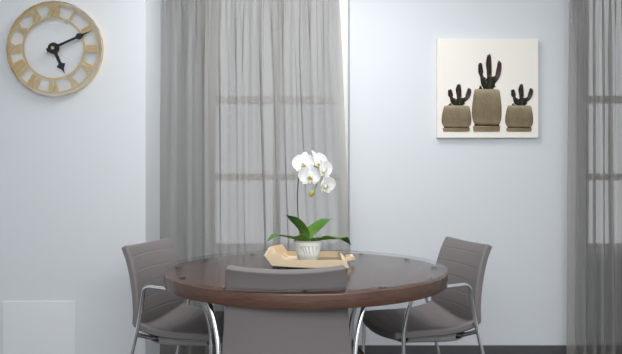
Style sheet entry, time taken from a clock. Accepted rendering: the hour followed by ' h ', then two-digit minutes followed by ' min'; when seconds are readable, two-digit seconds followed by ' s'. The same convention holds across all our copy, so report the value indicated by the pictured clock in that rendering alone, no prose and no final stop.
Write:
5 h 11 min
